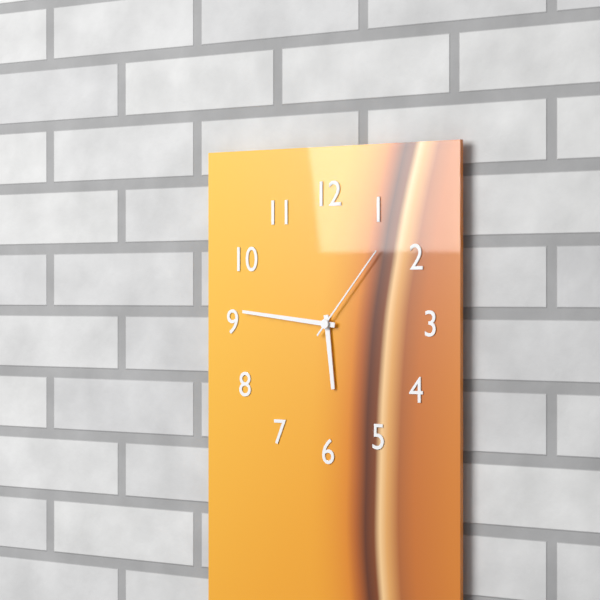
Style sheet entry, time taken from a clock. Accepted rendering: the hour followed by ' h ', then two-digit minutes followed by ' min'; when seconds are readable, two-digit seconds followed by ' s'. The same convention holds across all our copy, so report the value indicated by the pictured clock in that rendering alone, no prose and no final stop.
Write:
5 h 46 min 07 s
